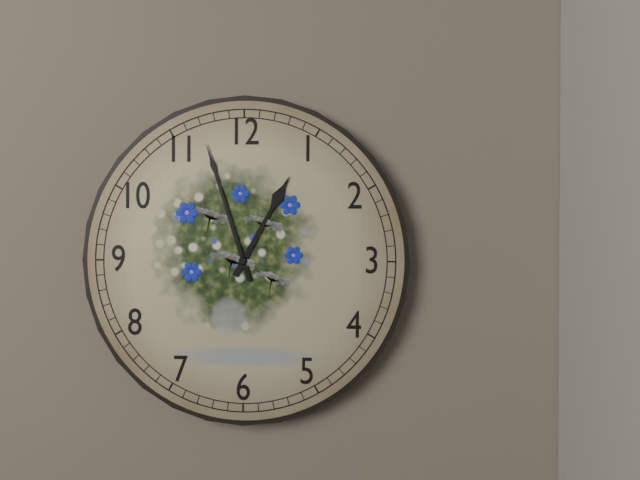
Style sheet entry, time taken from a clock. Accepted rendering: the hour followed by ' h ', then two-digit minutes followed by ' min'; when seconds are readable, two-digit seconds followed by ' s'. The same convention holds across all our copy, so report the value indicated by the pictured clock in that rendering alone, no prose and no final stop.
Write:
12 h 57 min
